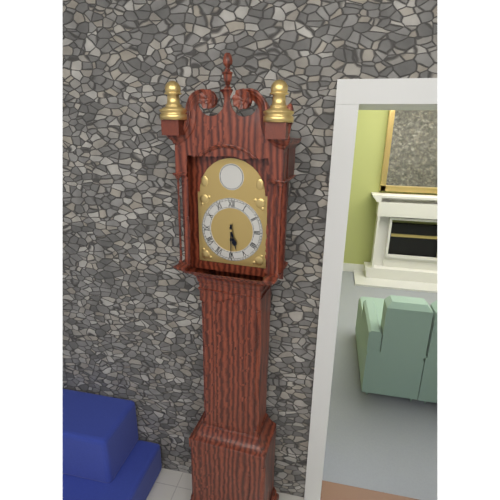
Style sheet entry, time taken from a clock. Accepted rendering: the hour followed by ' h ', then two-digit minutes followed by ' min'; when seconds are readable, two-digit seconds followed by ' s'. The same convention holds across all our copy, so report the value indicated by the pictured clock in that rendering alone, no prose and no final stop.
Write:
5 h 30 min
